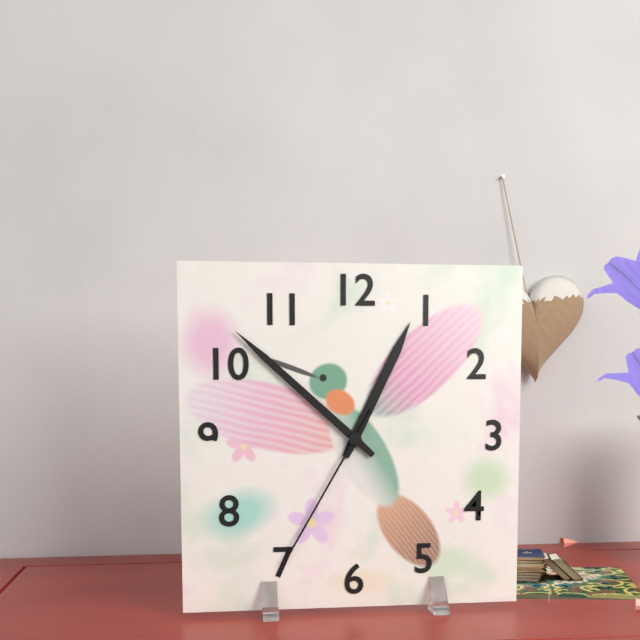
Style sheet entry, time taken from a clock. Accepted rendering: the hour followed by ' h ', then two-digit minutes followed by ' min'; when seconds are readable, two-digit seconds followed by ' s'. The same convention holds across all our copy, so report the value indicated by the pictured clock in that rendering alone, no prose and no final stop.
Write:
12 h 52 min 35 s
